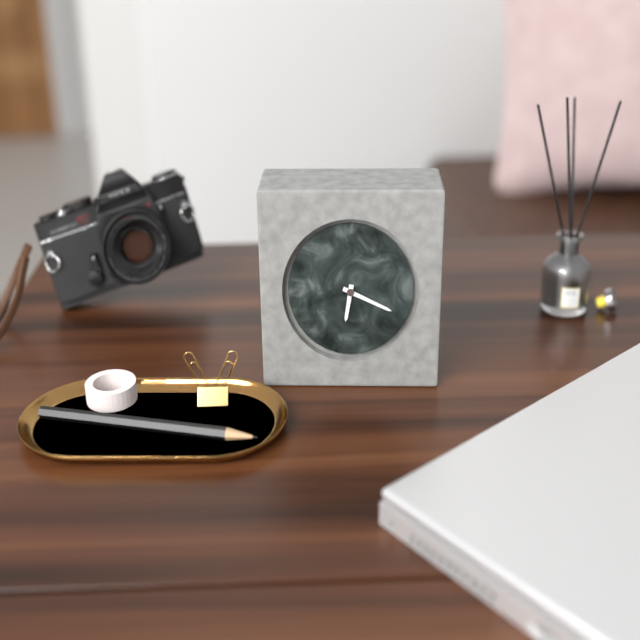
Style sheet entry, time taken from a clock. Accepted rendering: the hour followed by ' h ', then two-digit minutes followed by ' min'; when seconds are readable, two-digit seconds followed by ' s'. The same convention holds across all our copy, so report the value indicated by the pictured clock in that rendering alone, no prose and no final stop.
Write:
6 h 19 min
